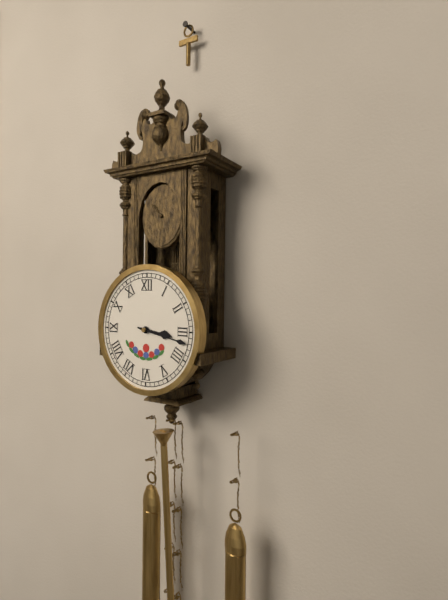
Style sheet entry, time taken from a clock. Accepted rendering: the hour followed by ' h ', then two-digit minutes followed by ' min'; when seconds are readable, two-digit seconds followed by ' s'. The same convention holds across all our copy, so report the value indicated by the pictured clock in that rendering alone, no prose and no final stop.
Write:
3 h 17 min
